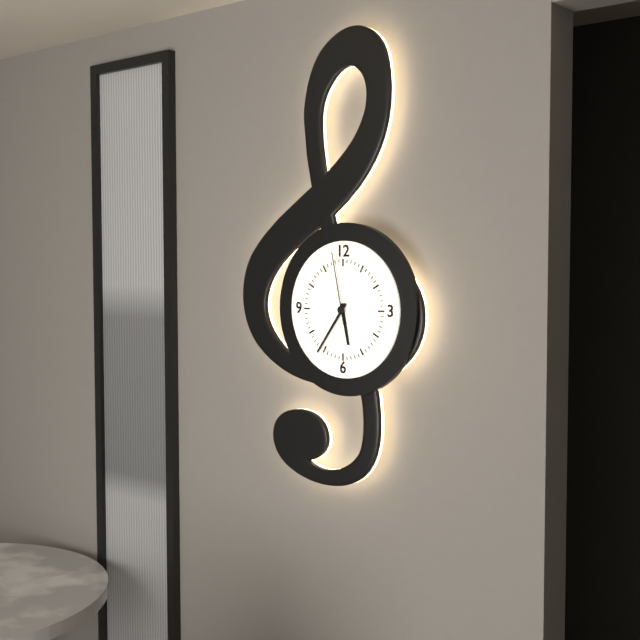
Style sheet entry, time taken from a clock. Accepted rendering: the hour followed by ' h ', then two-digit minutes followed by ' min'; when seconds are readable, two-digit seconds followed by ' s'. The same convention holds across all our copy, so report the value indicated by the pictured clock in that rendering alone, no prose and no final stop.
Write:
5 h 36 min 58 s
